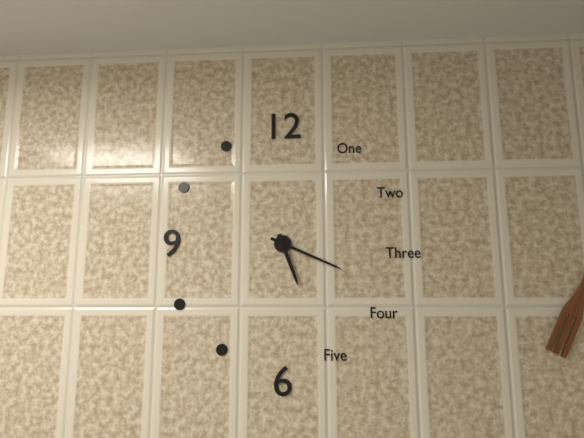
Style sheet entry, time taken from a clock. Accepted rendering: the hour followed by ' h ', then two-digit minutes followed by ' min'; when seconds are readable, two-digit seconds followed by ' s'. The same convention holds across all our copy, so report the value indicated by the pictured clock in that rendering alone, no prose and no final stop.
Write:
5 h 19 min
